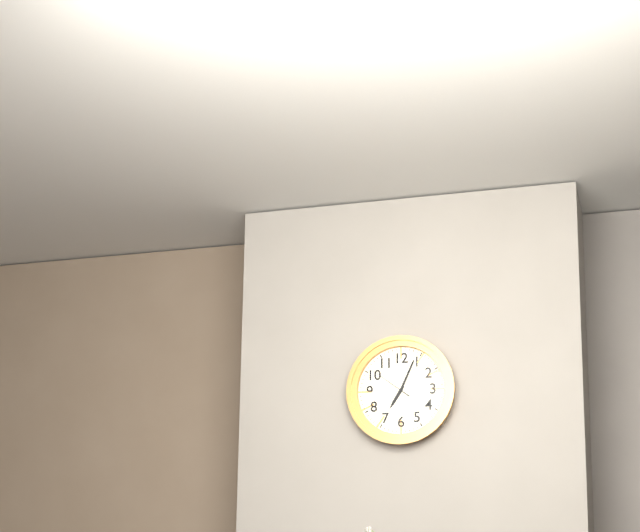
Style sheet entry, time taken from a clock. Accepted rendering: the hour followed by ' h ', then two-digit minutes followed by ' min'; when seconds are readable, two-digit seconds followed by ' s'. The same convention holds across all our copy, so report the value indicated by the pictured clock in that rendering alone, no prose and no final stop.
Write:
7 h 04 min
